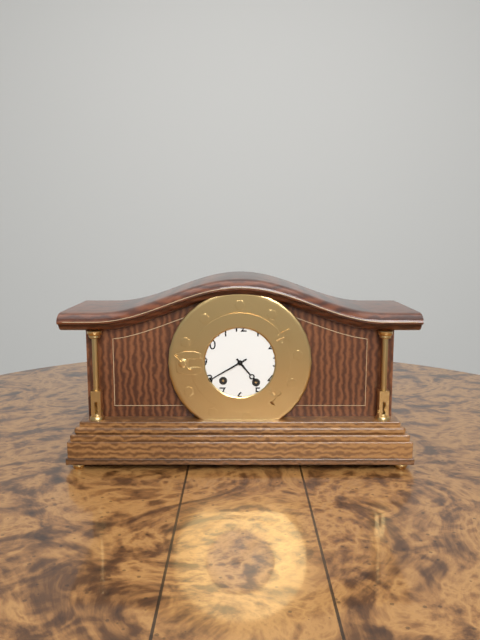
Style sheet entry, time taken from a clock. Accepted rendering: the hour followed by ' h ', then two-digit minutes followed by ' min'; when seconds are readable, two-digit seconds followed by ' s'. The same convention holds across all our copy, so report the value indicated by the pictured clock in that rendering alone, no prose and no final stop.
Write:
4 h 40 min
